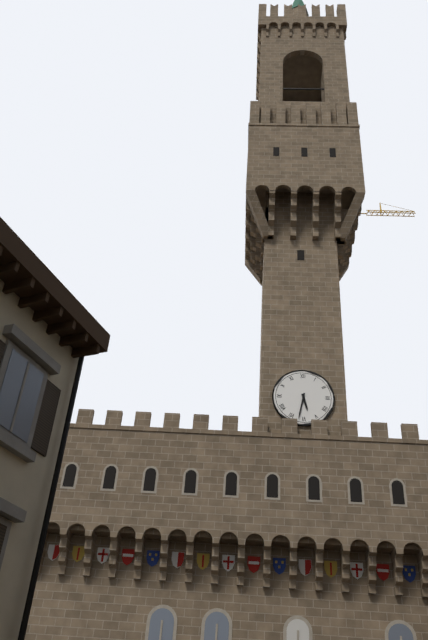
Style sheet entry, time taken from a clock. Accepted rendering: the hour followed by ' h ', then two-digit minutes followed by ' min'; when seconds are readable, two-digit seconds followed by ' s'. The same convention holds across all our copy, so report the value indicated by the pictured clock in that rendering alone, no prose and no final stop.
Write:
5 h 32 min
